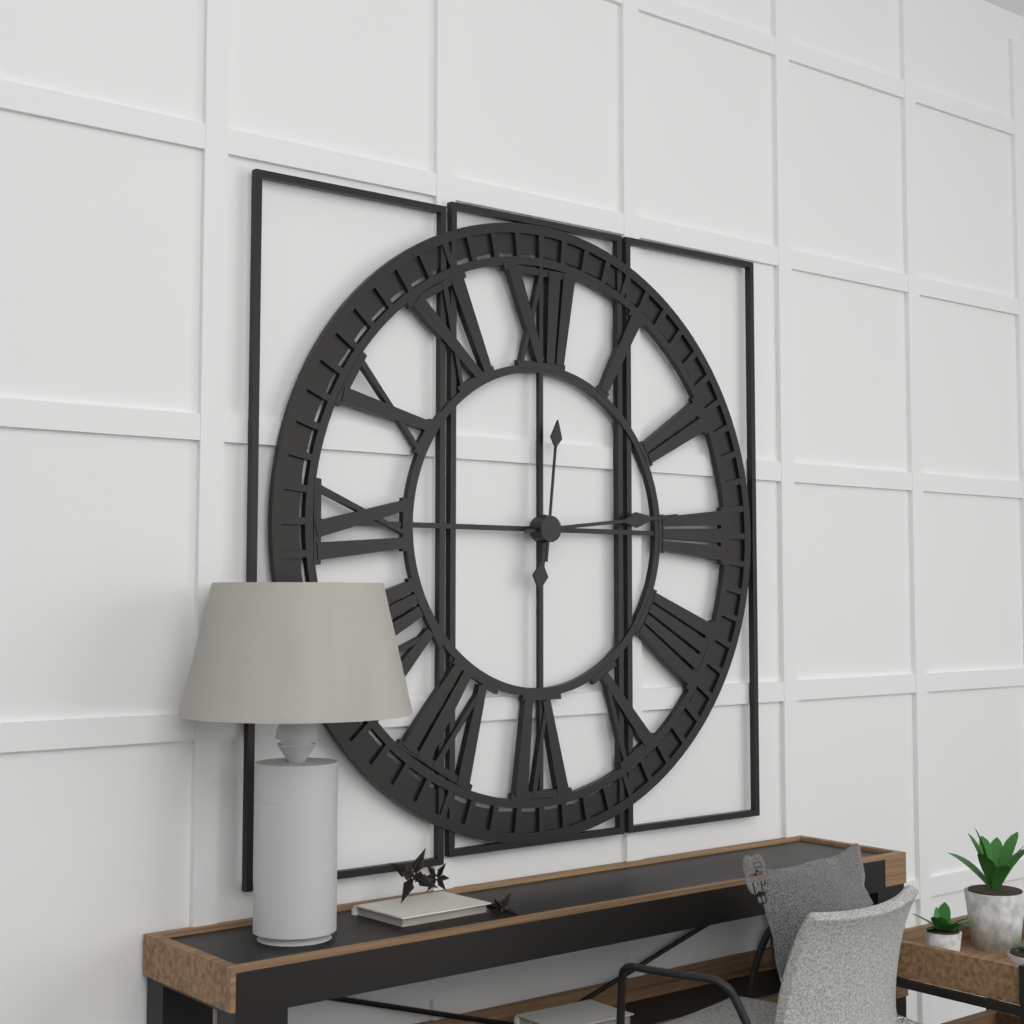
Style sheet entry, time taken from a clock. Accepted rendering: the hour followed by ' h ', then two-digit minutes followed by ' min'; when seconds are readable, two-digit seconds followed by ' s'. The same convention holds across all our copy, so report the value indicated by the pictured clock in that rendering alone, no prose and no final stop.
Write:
6 h 14 min 01 s
